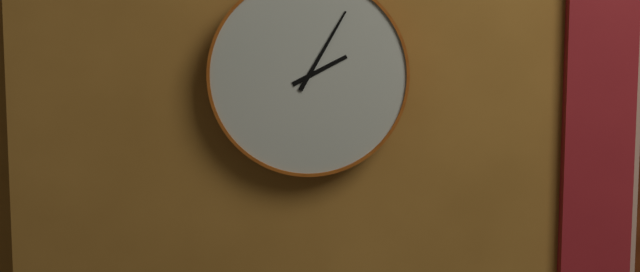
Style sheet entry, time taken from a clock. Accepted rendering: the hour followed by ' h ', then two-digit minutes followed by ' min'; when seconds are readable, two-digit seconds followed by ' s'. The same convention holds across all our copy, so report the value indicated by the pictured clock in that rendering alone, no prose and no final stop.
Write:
2 h 05 min
